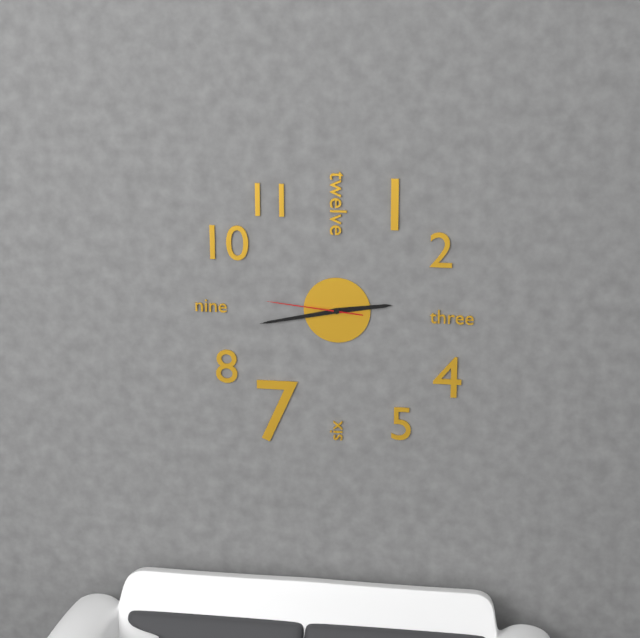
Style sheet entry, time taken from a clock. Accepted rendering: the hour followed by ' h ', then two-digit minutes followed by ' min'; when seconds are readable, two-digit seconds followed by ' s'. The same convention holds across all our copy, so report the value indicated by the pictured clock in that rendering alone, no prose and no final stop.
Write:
2 h 43 min 46 s
